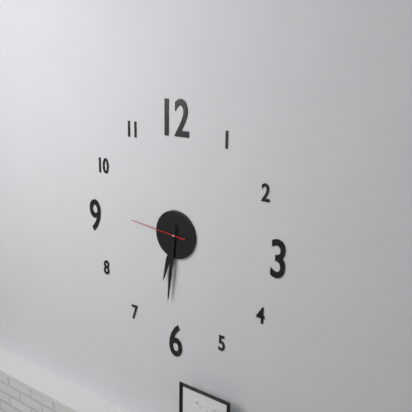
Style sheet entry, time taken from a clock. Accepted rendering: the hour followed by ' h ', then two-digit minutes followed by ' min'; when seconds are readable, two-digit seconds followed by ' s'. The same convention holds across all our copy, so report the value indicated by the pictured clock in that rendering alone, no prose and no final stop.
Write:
6 h 31 min 46 s
